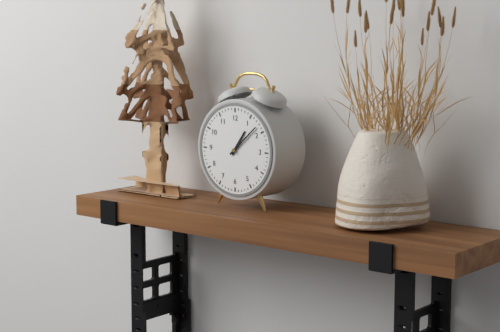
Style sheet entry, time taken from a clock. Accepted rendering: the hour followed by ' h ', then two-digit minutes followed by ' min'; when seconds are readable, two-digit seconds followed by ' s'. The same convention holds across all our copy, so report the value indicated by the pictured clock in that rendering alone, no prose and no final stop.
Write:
1 h 08 min
